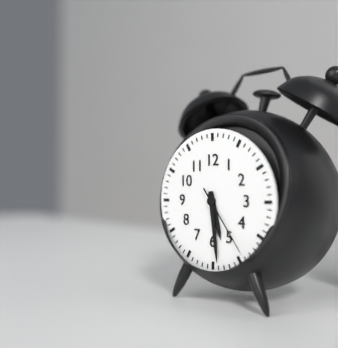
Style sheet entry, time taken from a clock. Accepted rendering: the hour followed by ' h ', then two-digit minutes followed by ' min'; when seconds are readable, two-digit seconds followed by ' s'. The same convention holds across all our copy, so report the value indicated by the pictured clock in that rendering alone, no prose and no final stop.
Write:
5 h 29 min 24 s
